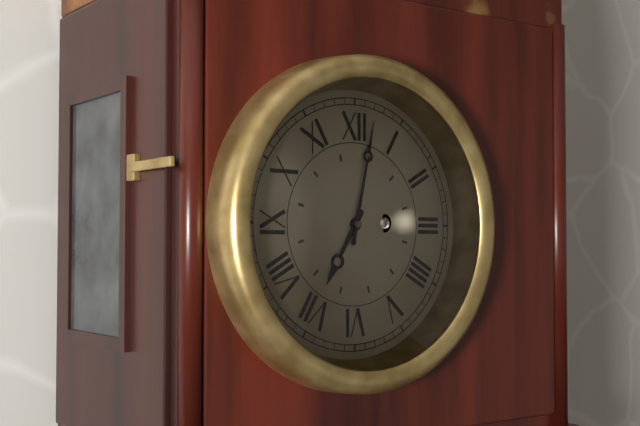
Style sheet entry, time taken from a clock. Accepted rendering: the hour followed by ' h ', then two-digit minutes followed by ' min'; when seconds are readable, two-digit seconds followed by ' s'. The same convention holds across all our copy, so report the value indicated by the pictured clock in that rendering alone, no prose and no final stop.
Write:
7 h 02 min
